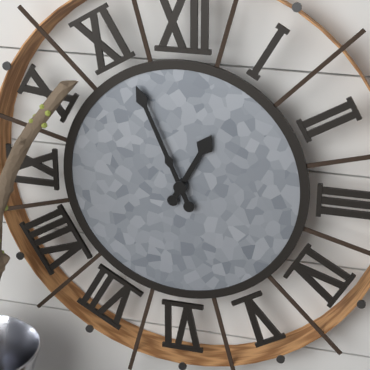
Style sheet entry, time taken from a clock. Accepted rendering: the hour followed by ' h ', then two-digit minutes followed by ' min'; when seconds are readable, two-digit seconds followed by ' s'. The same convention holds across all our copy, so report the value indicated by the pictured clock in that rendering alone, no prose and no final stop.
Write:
12 h 56 min
